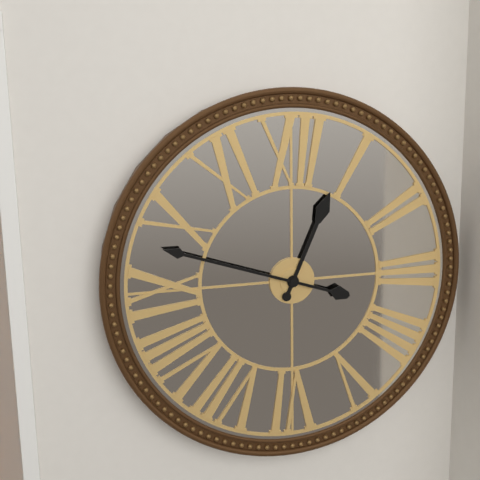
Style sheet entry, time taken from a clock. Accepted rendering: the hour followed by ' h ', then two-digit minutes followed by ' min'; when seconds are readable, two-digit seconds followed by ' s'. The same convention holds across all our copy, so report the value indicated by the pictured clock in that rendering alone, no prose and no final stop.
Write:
12 h 48 min
